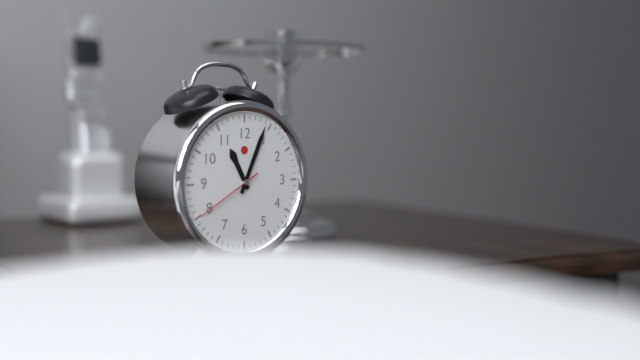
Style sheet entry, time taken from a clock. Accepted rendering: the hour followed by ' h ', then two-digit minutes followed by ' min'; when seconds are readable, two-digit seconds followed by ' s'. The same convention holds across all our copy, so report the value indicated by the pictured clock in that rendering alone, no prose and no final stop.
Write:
11 h 04 min 40 s
